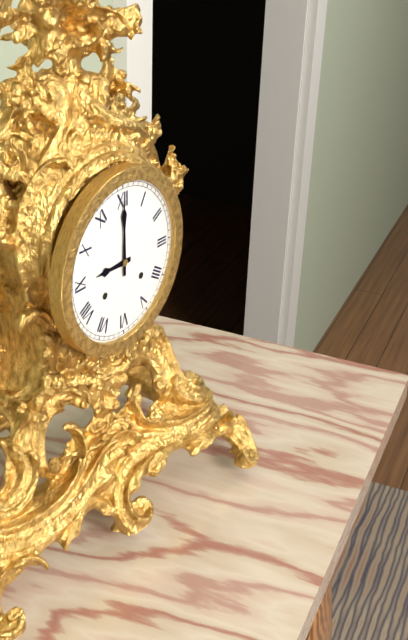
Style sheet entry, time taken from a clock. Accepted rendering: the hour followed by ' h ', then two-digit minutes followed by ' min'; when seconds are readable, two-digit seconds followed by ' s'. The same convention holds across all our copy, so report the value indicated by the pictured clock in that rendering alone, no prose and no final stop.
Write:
9 h 00 min
